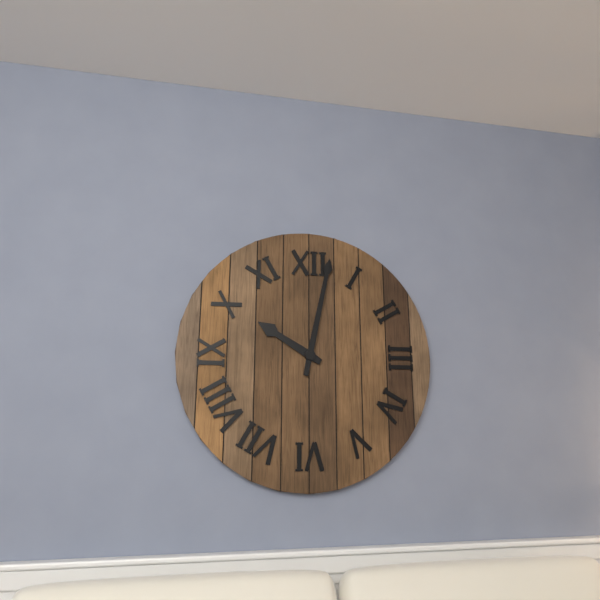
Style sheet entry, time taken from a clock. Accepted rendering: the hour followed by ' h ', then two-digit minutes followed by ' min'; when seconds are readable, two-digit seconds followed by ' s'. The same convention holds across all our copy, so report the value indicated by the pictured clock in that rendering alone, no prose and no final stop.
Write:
10 h 02 min
